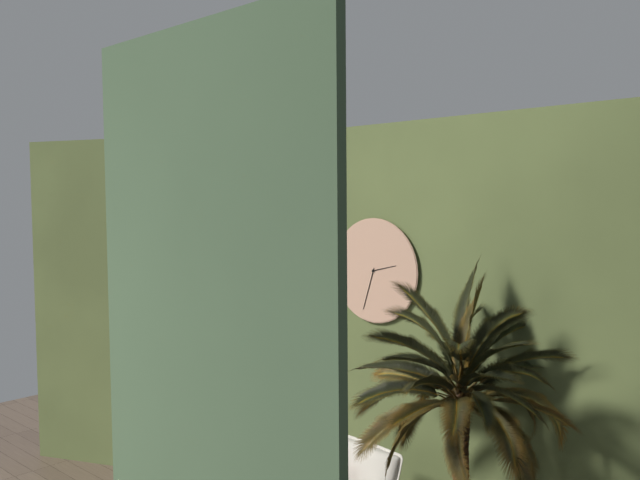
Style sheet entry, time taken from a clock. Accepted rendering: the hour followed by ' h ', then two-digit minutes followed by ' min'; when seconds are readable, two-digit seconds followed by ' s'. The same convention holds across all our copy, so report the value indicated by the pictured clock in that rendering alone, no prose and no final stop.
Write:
2 h 33 min
